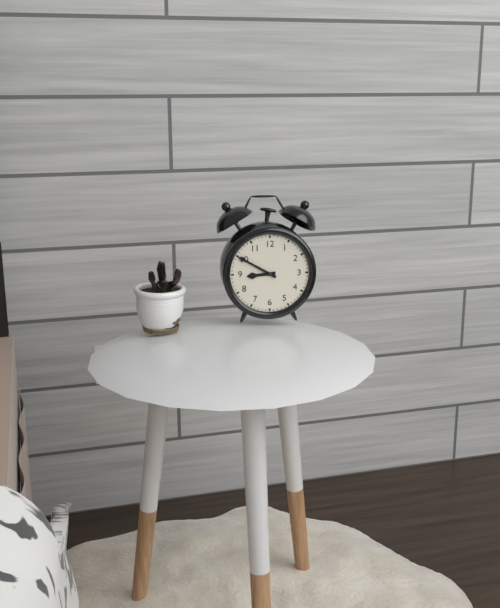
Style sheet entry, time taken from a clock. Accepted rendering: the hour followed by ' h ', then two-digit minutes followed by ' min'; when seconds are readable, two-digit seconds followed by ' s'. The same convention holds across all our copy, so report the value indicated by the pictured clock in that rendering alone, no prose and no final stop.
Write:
8 h 50 min
